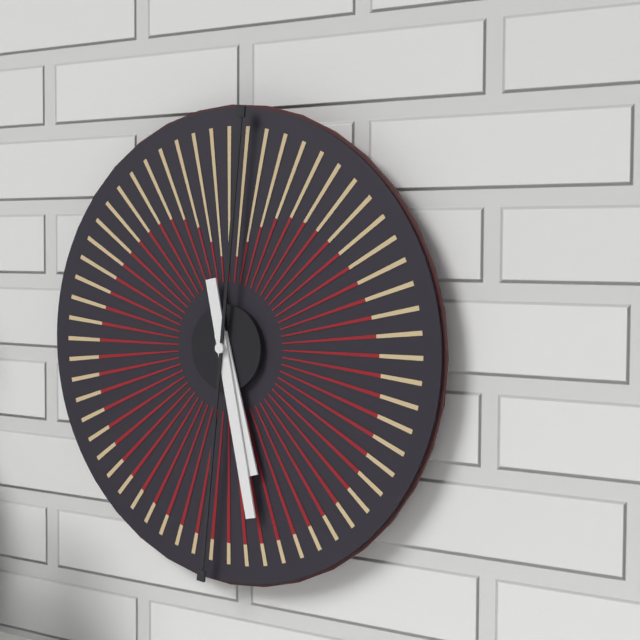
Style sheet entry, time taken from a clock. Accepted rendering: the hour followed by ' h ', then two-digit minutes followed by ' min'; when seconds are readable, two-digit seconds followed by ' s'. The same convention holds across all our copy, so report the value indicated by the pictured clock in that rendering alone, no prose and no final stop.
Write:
5 h 28 min
